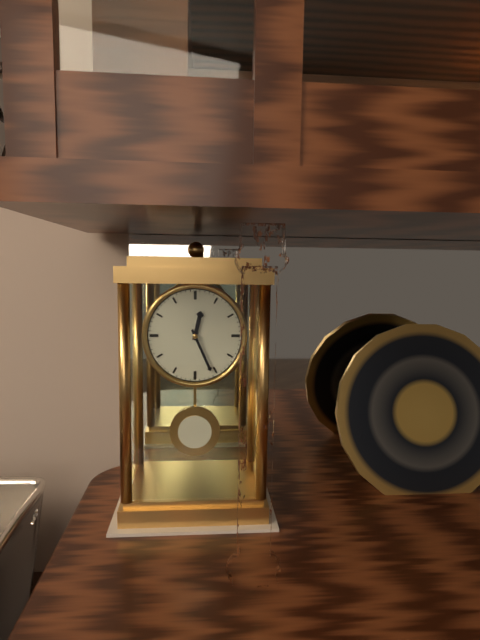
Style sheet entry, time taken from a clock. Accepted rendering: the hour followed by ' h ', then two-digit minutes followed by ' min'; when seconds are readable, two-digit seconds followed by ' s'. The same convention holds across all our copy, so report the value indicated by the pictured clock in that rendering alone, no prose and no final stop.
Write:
12 h 26 min
